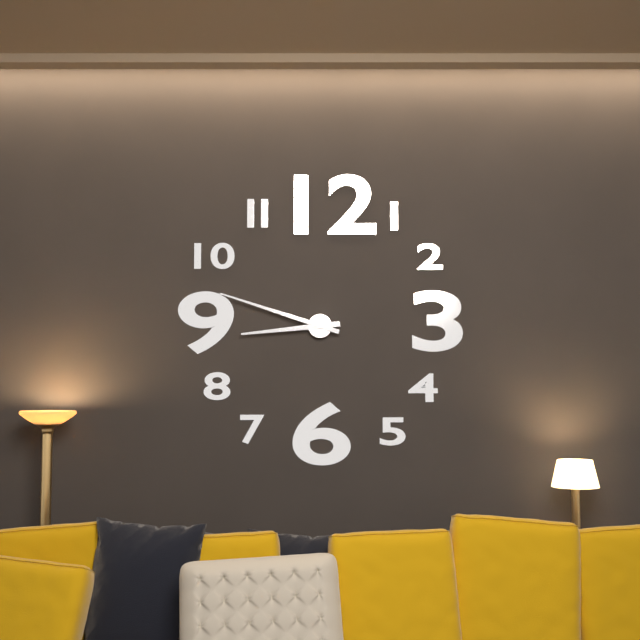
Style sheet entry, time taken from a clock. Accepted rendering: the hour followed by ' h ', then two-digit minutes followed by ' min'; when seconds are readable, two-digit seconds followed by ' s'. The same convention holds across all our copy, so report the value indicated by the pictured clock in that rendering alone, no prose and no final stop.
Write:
8 h 48 min
